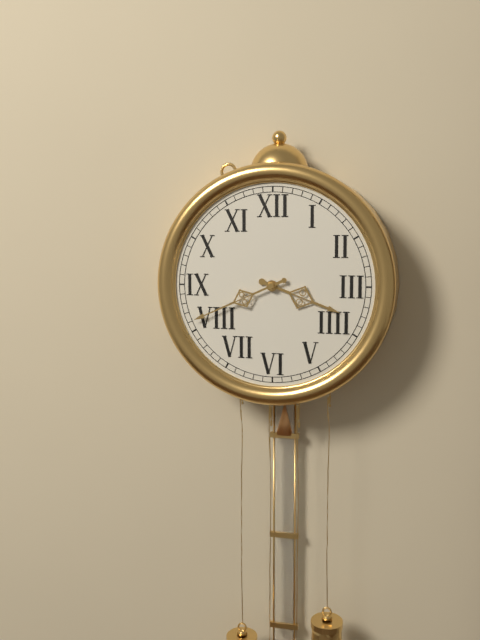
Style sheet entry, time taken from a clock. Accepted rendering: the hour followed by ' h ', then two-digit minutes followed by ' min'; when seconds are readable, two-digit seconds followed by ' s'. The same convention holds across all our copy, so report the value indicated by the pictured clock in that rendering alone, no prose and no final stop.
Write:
3 h 41 min
